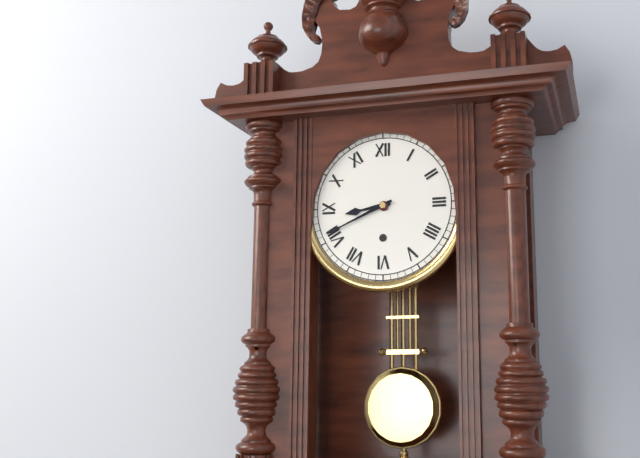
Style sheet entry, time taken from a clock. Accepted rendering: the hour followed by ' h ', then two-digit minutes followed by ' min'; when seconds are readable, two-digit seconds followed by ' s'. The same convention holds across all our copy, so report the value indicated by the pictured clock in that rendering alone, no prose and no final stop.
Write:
8 h 41 min
